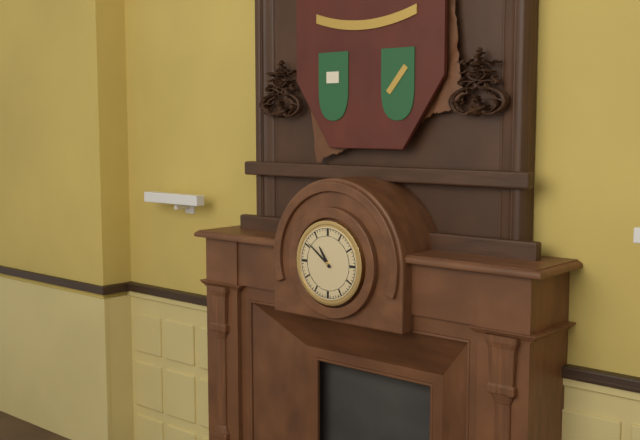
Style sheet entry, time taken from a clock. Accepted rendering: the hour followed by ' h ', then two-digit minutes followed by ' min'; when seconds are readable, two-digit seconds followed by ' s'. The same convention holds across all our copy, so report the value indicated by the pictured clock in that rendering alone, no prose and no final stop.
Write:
10 h 51 min
